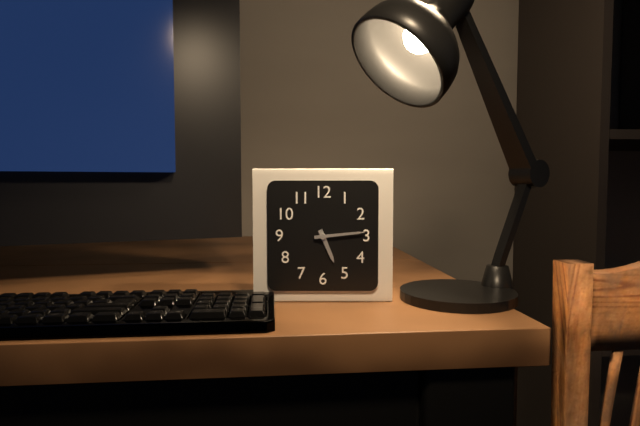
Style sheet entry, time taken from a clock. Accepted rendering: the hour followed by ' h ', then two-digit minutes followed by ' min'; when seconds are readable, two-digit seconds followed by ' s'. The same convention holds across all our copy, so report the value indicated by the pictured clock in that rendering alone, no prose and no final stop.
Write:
5 h 14 min
